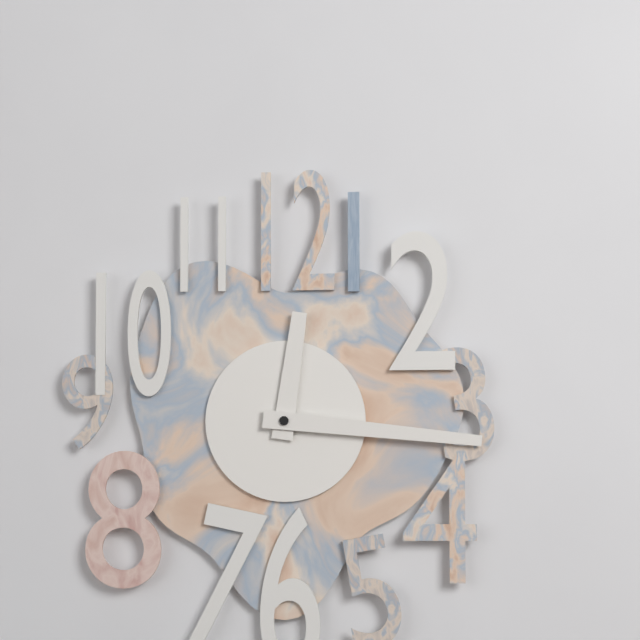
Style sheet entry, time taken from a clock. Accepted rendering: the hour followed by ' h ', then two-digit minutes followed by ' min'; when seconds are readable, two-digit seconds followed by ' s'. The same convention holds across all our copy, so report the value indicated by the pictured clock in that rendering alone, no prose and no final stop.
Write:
12 h 16 min
